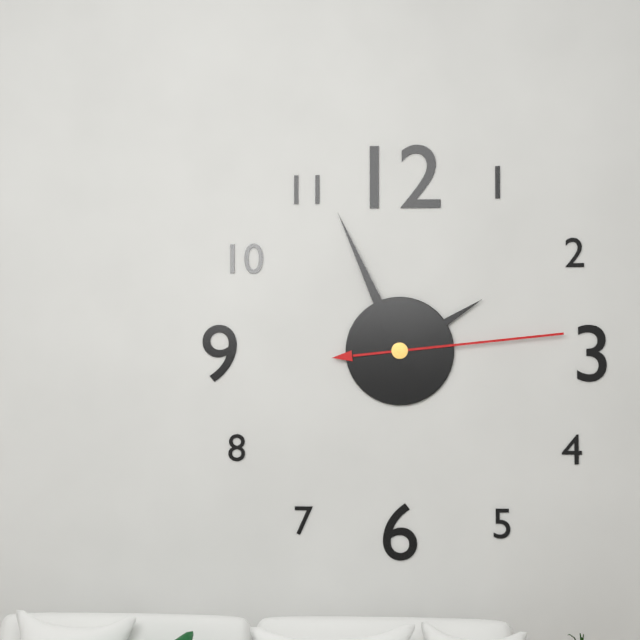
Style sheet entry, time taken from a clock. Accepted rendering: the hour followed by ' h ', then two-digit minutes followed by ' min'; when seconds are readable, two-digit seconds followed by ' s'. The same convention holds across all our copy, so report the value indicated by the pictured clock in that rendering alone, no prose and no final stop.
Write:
1 h 56 min 14 s
